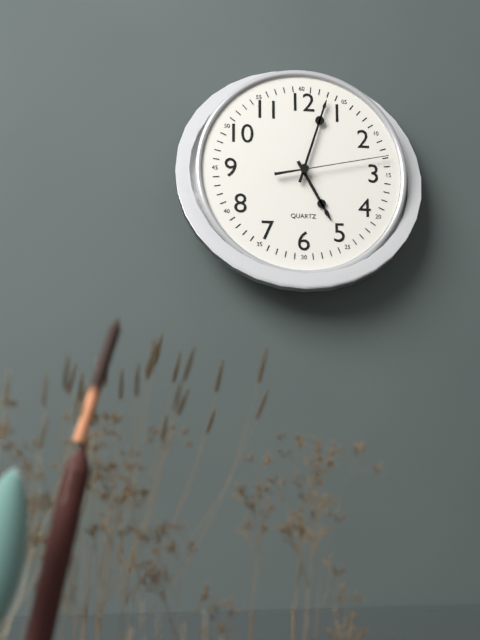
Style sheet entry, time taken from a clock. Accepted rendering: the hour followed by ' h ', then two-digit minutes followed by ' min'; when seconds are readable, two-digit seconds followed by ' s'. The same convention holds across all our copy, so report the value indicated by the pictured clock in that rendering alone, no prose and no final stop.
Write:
5 h 03 min 13 s
